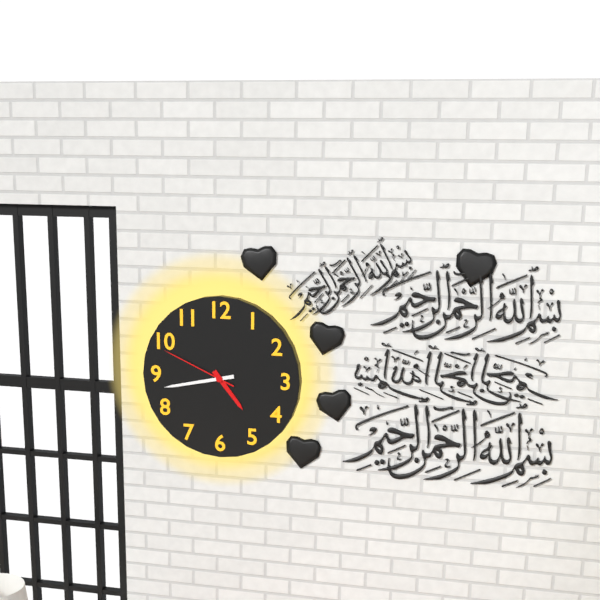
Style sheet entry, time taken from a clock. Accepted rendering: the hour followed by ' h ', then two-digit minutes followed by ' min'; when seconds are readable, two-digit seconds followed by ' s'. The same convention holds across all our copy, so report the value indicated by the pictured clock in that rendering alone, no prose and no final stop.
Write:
4 h 43 min 49 s
